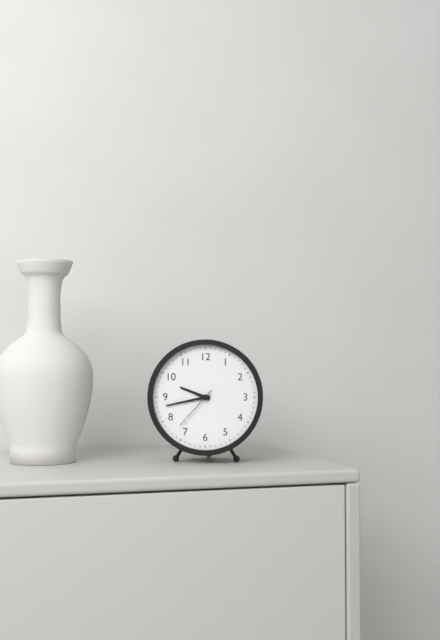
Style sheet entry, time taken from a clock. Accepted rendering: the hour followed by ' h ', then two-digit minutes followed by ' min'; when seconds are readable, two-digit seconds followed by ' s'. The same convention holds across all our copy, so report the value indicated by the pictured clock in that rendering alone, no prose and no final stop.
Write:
9 h 43 min
